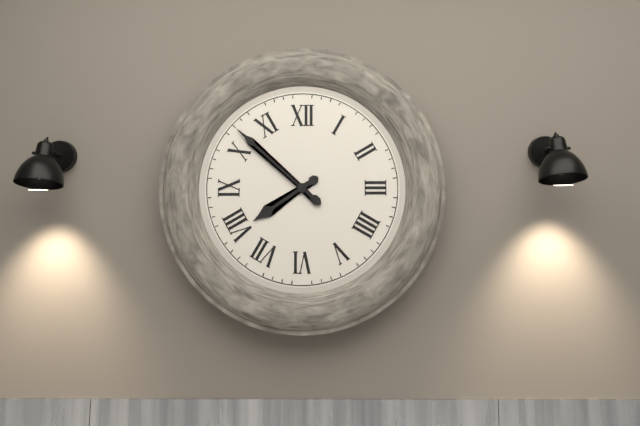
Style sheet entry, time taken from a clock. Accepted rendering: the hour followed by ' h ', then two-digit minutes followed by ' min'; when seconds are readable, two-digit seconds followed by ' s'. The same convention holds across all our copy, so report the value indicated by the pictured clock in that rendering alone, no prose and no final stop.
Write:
7 h 52 min
